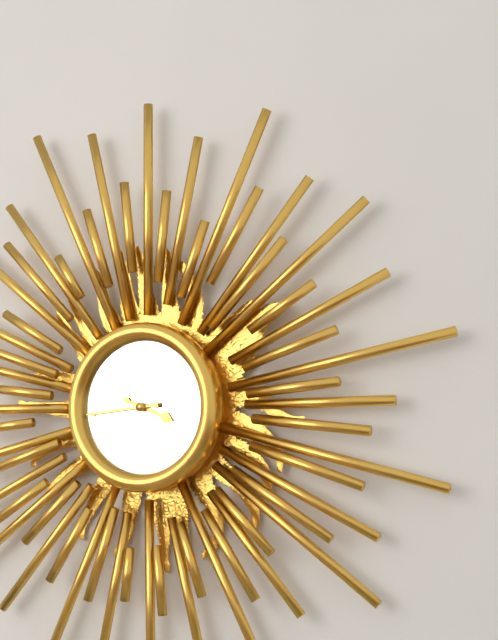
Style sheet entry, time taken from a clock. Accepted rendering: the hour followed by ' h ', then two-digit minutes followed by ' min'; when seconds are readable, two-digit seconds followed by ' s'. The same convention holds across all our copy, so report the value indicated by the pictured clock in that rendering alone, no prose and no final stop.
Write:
3 h 44 min
